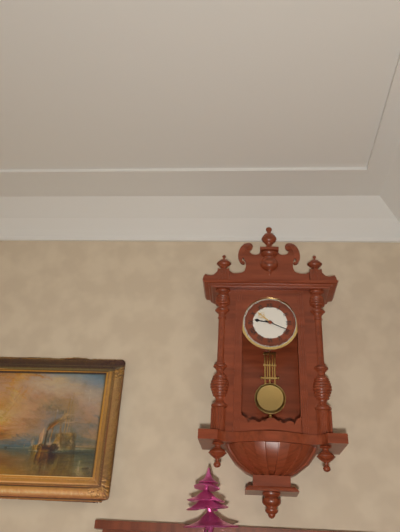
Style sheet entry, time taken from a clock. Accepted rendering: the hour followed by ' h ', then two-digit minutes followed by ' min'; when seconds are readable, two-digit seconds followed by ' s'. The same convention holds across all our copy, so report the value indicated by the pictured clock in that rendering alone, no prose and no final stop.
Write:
9 h 19 min
